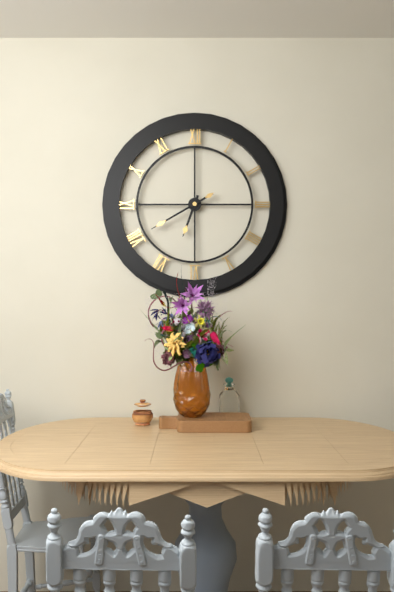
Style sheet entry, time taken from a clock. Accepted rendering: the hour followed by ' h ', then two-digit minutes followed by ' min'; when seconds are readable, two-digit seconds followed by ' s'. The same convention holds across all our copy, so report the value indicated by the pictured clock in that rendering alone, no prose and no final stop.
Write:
6 h 40 min
